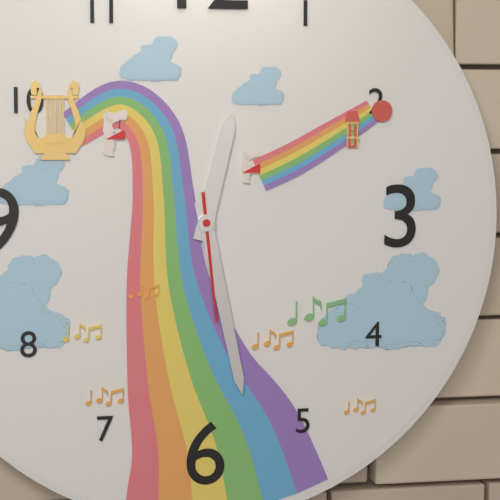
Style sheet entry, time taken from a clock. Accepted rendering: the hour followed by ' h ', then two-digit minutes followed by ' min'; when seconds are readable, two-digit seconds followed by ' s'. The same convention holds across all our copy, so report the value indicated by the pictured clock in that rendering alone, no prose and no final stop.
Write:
12 h 28 min 29 s
